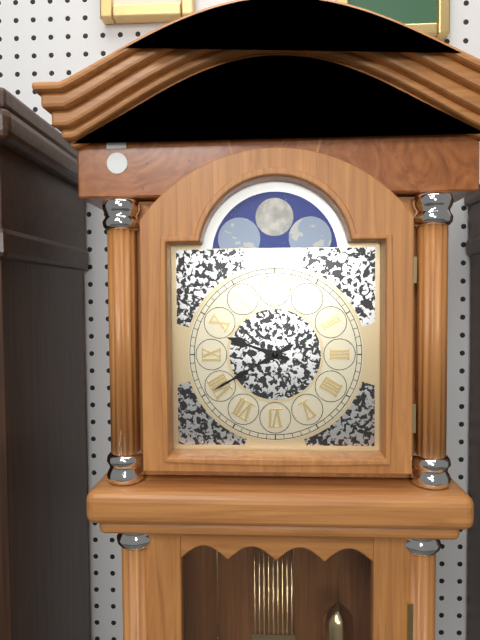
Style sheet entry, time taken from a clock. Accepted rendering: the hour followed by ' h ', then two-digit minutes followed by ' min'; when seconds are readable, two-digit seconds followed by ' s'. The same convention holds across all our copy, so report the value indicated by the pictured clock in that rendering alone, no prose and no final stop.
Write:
9 h 40 min
